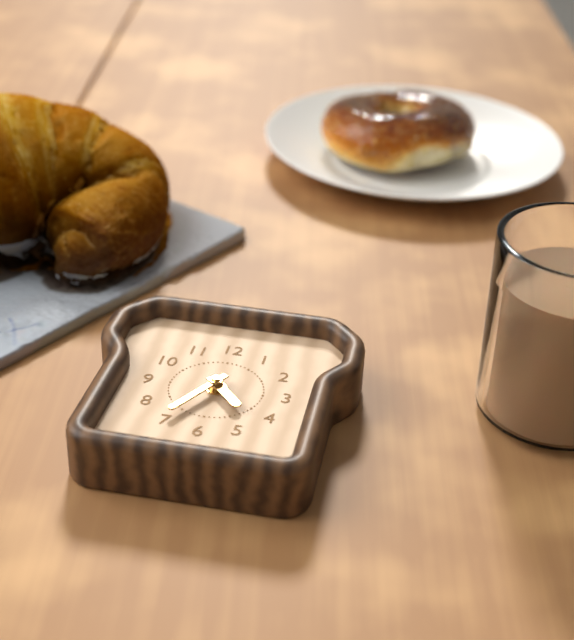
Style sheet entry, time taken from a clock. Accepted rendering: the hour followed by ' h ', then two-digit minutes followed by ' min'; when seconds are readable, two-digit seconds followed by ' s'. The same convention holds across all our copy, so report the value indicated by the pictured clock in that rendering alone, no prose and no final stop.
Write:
4 h 35 min
